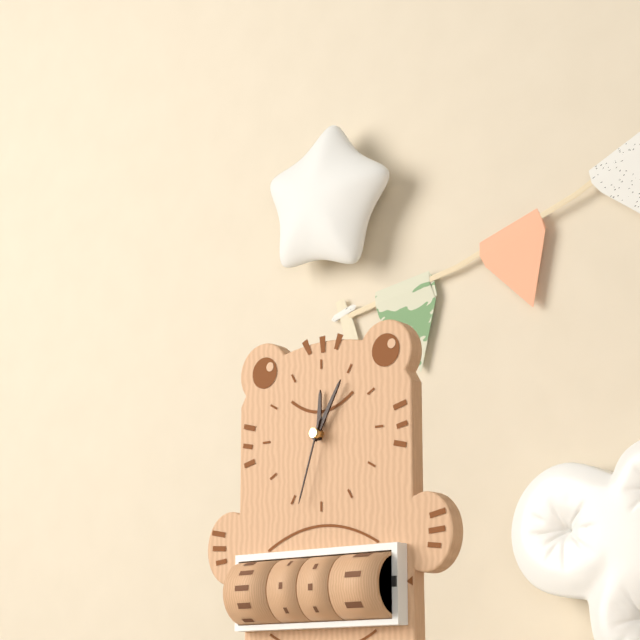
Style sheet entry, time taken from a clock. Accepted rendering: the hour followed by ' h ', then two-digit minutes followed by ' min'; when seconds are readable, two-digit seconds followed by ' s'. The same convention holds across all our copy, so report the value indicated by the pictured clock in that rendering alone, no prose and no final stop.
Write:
12 h 05 min 33 s
